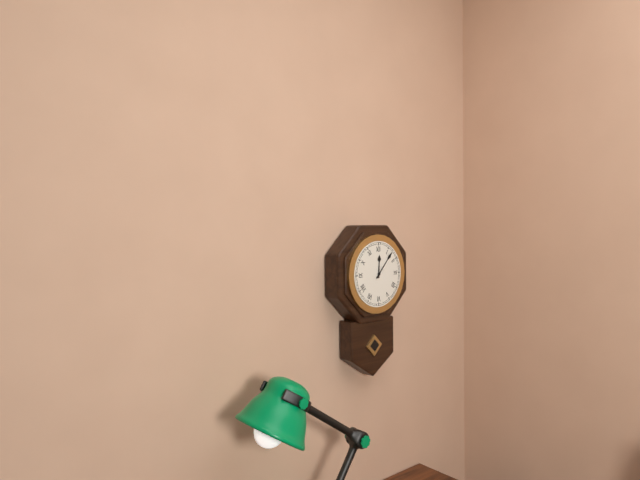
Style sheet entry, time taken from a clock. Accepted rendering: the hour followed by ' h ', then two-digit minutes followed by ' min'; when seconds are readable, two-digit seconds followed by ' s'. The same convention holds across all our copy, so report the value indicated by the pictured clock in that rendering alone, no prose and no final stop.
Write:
12 h 07 min
